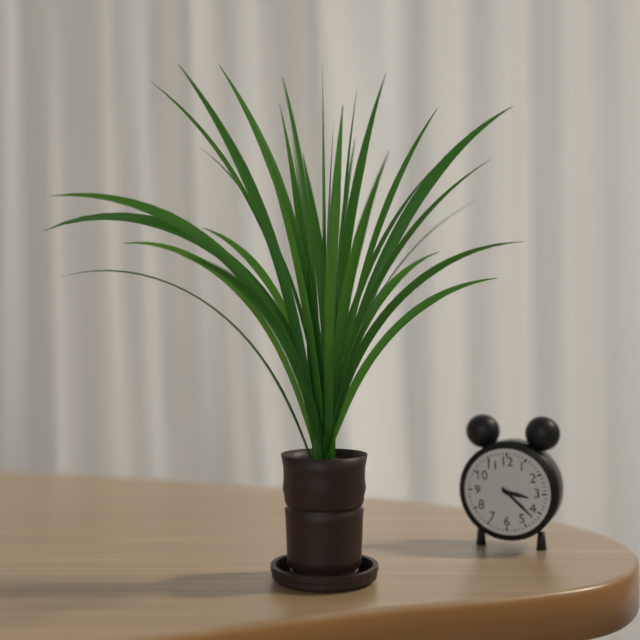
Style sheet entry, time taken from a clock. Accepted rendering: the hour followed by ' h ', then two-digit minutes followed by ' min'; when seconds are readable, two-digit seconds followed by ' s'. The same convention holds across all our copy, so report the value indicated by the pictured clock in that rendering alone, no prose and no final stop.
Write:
3 h 22 min
